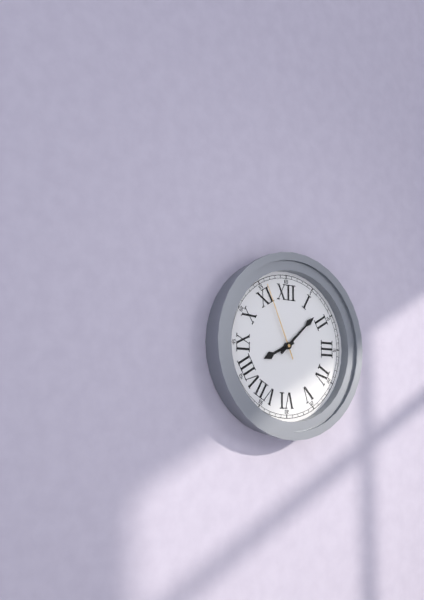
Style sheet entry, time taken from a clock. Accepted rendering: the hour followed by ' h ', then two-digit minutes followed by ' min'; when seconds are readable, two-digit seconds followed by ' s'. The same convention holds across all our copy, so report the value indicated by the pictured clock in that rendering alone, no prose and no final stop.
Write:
8 h 08 min 56 s
